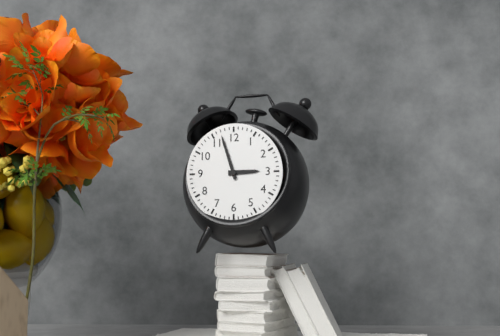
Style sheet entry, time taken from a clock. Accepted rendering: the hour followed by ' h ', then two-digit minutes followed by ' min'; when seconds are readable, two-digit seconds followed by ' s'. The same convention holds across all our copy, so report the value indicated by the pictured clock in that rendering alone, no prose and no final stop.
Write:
2 h 57 min
